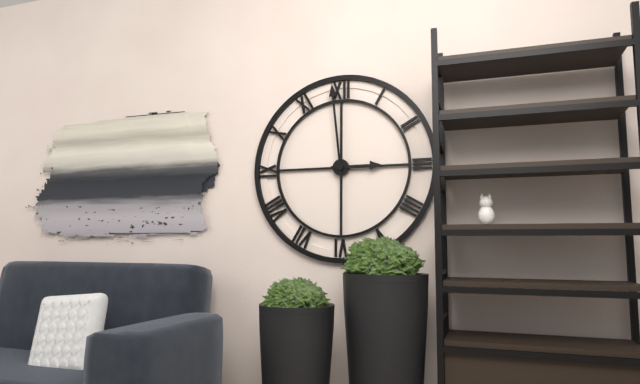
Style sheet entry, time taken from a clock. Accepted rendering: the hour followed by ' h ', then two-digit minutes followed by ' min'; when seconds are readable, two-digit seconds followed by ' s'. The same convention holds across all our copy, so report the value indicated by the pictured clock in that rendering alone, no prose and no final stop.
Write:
2 h 59 min
